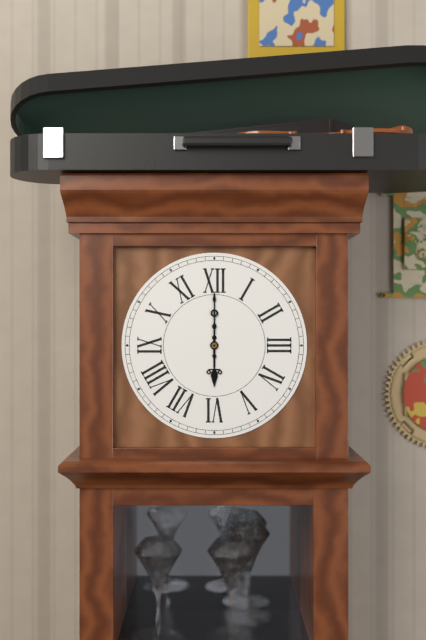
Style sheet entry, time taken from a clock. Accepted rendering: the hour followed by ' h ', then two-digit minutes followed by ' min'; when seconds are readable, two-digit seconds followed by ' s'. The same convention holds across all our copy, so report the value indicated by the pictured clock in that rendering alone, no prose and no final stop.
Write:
6 h 00 min
